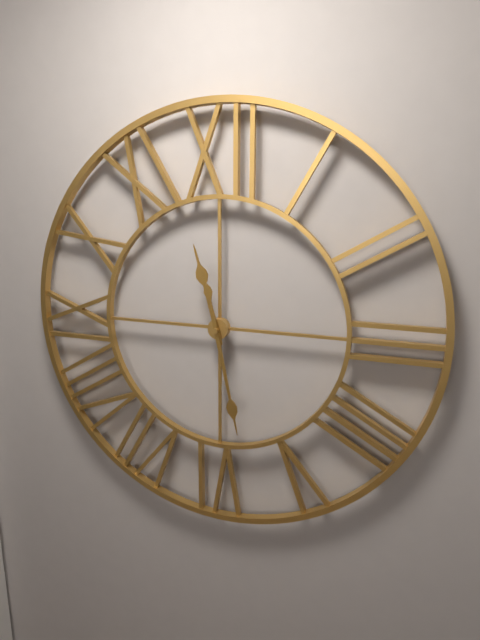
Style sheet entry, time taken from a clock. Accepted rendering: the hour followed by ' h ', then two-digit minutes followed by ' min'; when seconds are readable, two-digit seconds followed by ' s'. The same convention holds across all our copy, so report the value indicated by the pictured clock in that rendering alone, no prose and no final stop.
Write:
11 h 28 min
